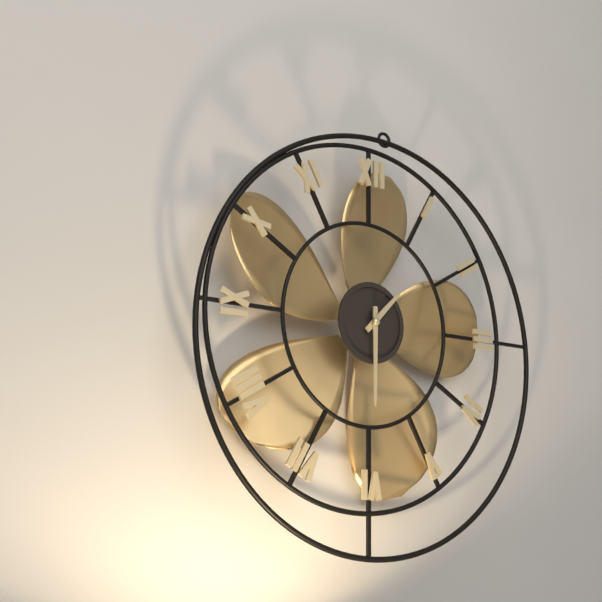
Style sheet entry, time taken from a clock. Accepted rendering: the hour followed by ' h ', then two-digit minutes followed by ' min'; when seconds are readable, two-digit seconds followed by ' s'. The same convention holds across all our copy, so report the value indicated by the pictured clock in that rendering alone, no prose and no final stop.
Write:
1 h 30 min
